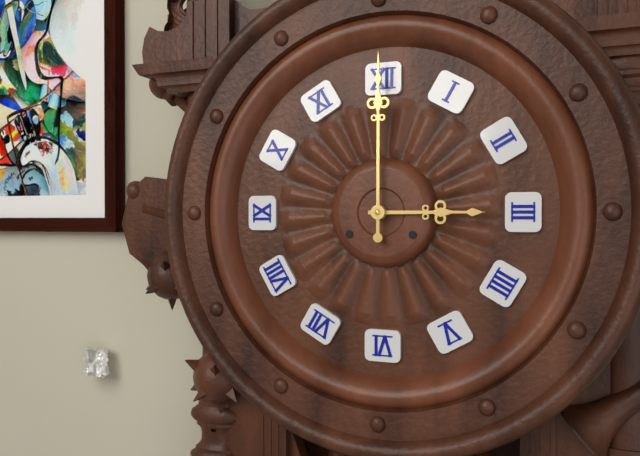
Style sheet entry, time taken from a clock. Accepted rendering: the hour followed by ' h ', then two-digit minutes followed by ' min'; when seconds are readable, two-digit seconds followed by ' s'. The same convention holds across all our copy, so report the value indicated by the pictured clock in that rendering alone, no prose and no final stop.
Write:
3 h 00 min
